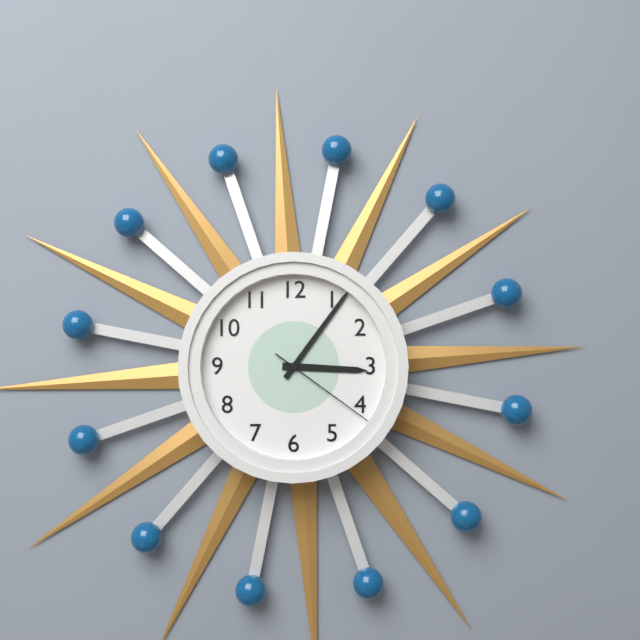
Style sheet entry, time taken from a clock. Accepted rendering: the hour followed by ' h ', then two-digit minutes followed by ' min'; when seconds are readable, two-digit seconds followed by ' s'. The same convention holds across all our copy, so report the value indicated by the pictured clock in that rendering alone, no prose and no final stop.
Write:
3 h 06 min 21 s
